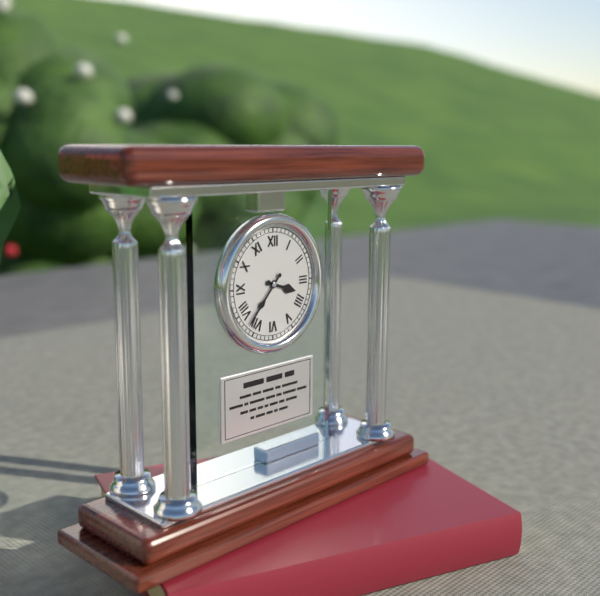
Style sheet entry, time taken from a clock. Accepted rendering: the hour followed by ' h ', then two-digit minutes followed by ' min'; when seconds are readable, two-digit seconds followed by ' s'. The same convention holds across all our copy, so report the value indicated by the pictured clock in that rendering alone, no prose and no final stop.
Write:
3 h 37 min
